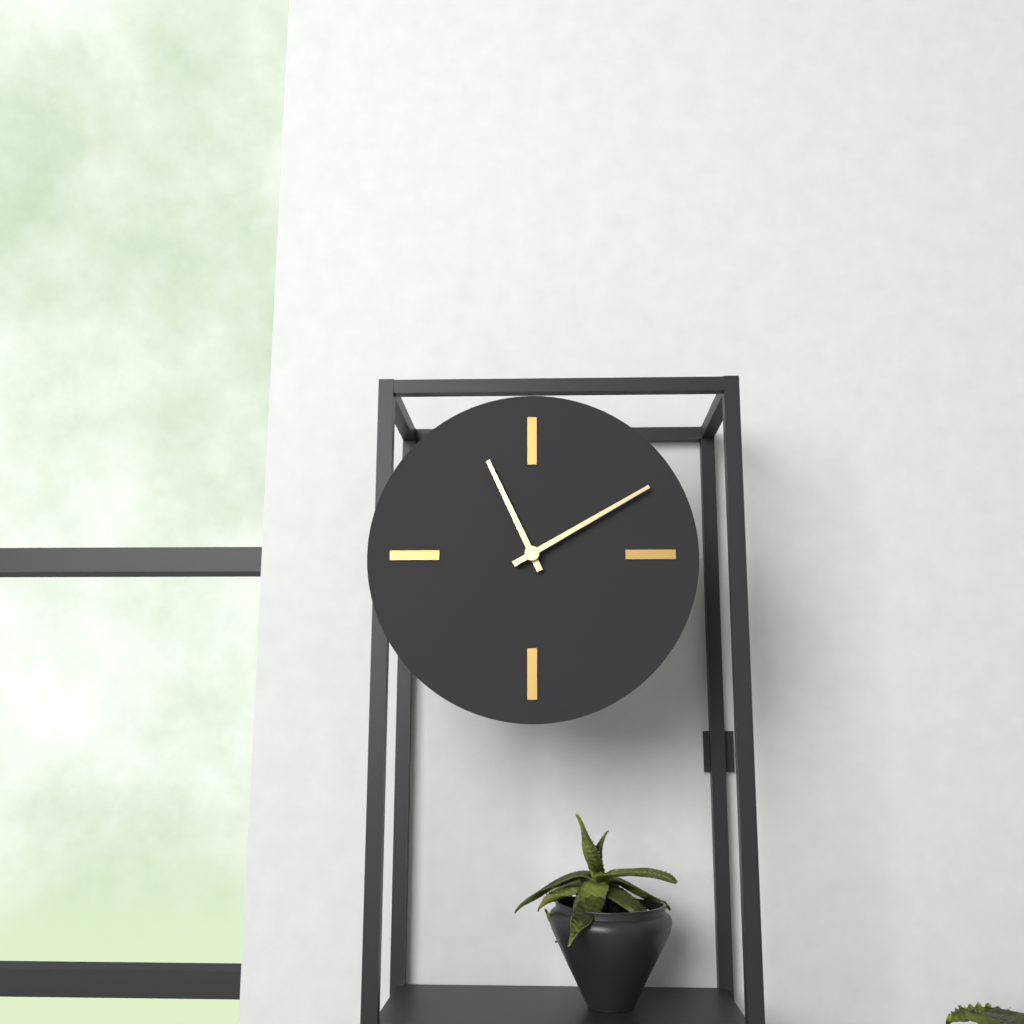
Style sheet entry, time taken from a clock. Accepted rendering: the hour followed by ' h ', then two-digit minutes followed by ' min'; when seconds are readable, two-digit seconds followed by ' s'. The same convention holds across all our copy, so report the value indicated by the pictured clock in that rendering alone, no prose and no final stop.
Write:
11 h 10 min
